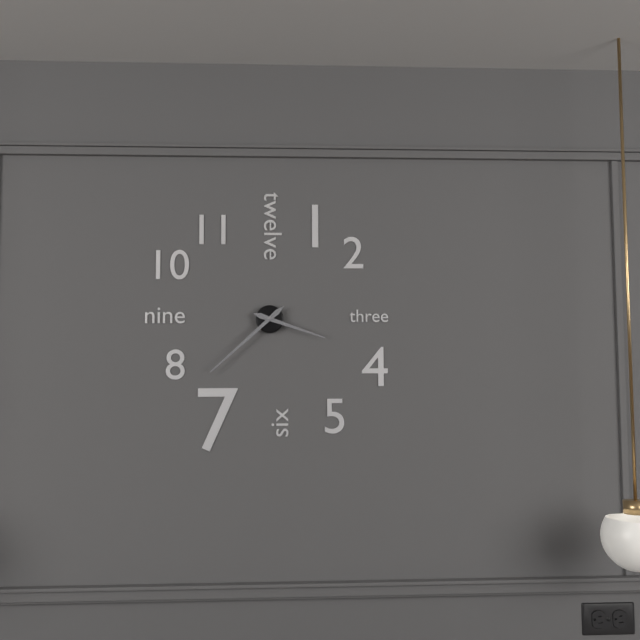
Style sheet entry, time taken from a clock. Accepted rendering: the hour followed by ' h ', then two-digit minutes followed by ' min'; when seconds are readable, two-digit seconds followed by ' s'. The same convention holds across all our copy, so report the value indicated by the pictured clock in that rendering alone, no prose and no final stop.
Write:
3 h 38 min
